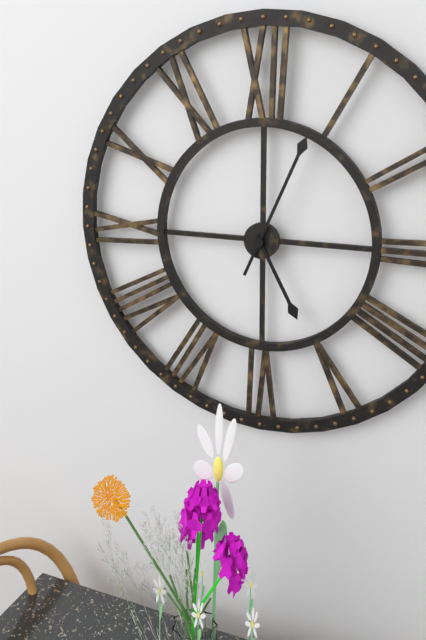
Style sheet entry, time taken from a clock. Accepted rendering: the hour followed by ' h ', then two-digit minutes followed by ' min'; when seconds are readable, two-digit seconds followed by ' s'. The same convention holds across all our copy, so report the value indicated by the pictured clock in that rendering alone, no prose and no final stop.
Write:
5 h 04 min
